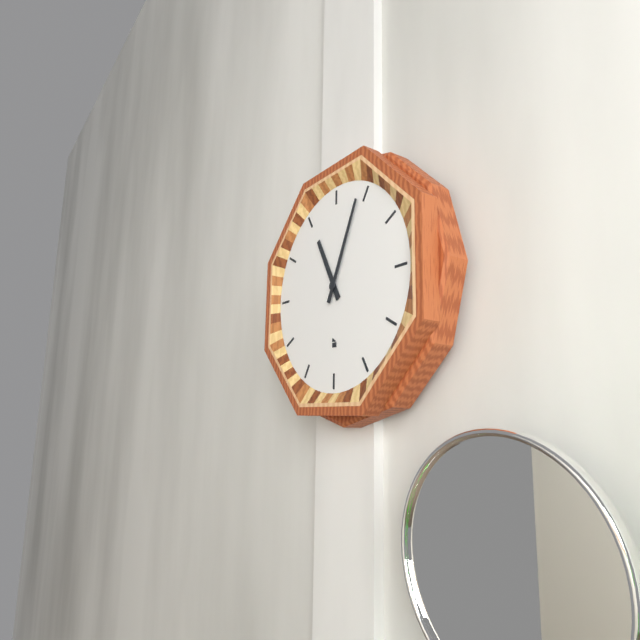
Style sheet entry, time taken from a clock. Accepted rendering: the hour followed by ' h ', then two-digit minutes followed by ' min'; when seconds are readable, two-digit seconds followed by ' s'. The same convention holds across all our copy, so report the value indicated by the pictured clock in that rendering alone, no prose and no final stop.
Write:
11 h 04 min
